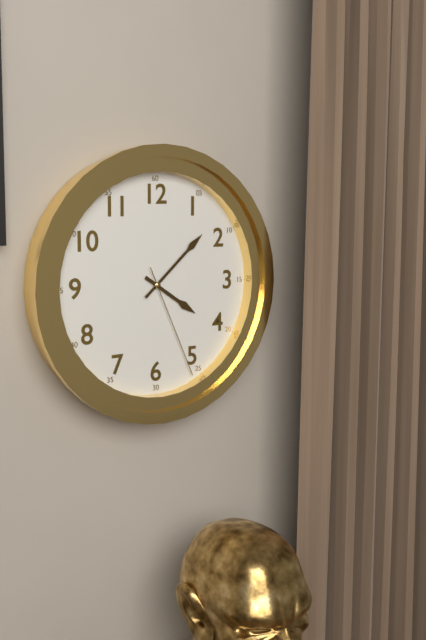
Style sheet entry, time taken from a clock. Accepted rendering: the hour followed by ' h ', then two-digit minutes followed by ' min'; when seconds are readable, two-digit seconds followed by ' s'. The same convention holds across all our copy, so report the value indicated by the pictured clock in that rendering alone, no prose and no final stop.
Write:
4 h 08 min 26 s
